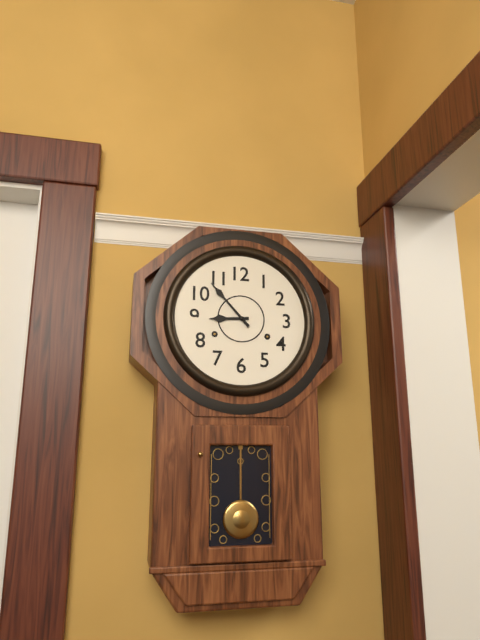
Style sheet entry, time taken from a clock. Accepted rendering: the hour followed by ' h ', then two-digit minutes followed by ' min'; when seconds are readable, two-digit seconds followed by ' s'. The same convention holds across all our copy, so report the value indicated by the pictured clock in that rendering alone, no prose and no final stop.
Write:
8 h 53 min
